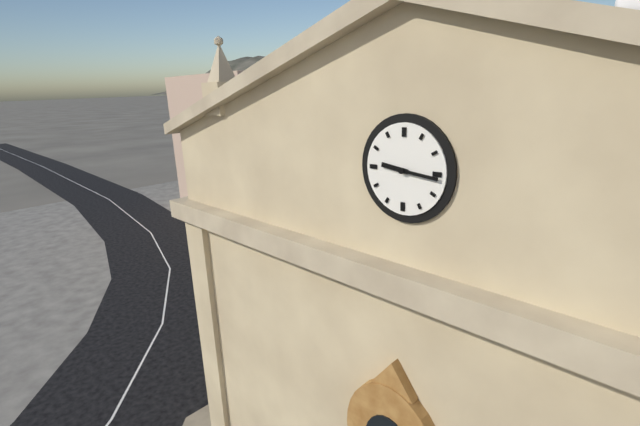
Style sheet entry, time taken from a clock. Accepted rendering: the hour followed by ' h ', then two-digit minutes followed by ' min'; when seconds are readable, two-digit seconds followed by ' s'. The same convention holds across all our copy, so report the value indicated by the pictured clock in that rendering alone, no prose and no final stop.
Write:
9 h 16 min
